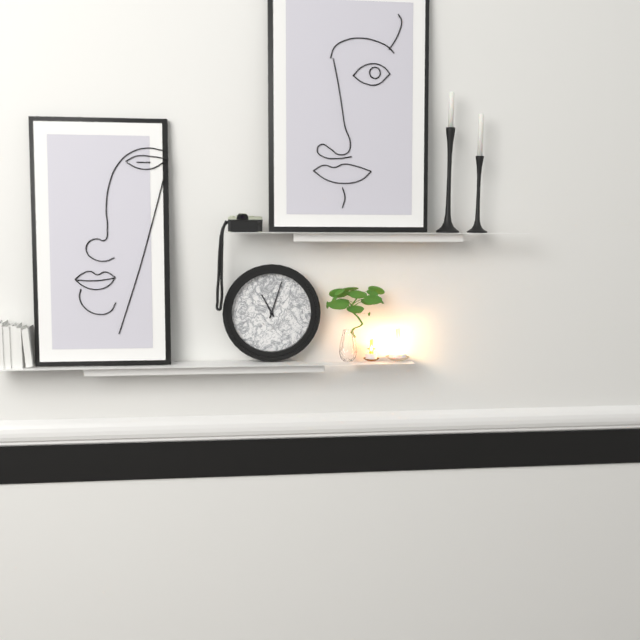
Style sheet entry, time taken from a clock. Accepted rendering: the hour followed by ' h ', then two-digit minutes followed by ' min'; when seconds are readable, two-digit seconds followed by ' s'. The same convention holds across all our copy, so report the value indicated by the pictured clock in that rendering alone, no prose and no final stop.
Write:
11 h 03 min
